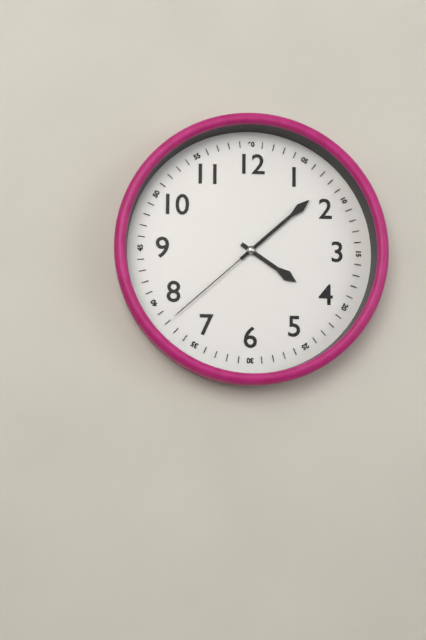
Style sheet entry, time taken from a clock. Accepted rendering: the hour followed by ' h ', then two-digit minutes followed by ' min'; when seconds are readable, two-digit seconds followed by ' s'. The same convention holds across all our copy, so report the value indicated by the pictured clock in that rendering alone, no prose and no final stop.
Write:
4 h 08 min 38 s
